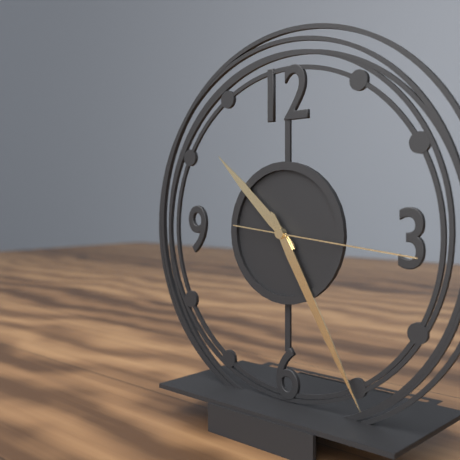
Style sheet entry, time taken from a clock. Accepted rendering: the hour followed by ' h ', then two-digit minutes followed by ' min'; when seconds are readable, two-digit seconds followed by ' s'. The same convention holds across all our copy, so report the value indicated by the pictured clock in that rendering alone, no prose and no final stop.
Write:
10 h 25 min 16 s
